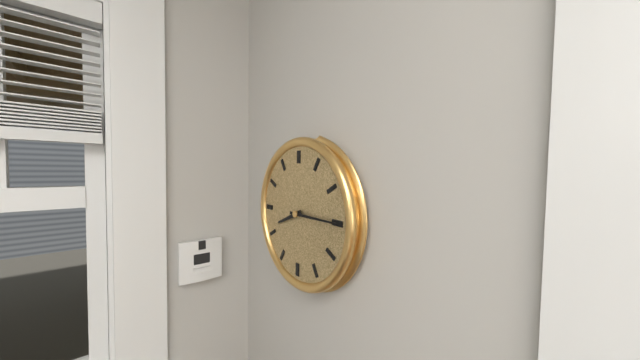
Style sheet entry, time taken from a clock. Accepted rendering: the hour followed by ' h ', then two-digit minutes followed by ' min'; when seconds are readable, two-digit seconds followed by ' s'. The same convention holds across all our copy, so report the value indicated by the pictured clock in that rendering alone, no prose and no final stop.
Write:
8 h 15 min
